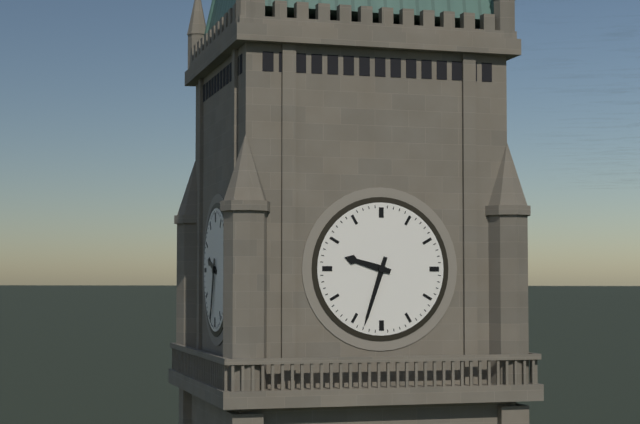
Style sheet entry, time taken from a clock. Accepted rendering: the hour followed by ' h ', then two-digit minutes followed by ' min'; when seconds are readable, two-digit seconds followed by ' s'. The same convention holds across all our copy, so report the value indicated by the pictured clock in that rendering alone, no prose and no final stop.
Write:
9 h 33 min
